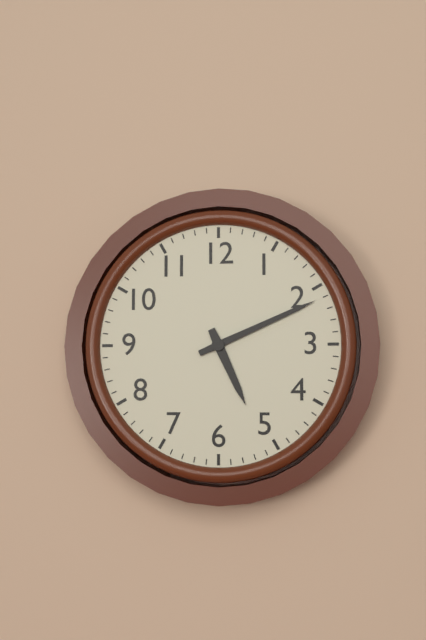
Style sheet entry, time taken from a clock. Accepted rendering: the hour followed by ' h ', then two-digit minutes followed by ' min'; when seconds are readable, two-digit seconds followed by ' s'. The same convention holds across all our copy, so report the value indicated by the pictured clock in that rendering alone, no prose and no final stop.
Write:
5 h 11 min
